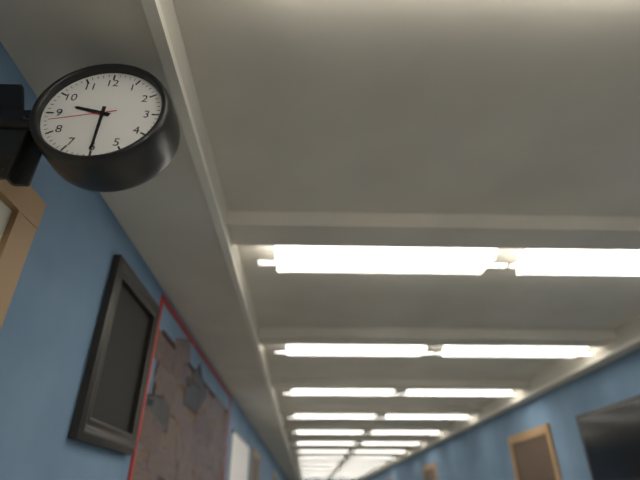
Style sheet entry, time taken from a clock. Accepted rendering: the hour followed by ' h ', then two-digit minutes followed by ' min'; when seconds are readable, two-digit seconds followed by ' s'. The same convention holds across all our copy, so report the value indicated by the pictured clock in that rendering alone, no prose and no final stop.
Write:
9 h 30 min 43 s
